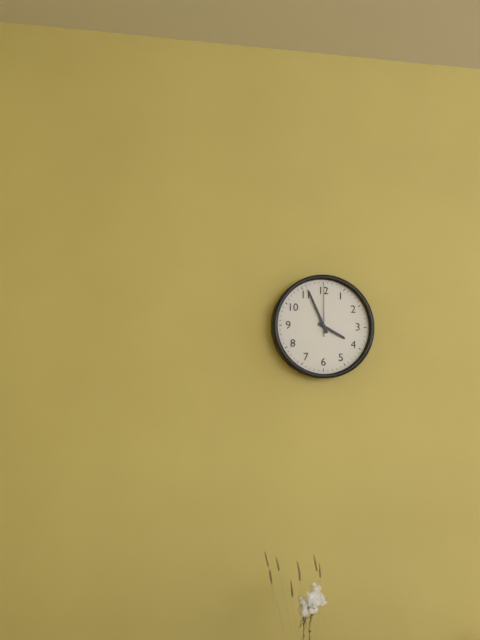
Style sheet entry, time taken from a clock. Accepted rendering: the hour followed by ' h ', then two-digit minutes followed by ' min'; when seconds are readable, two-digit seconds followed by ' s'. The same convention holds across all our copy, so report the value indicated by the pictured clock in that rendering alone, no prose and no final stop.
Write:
3 h 56 min 00 s
